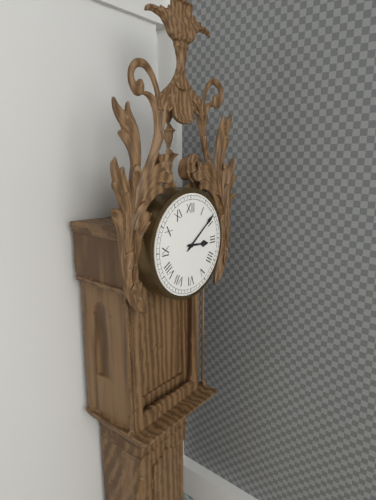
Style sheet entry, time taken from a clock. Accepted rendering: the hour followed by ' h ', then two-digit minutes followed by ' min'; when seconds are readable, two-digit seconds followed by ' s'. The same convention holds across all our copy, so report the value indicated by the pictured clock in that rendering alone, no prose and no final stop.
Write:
3 h 09 min
